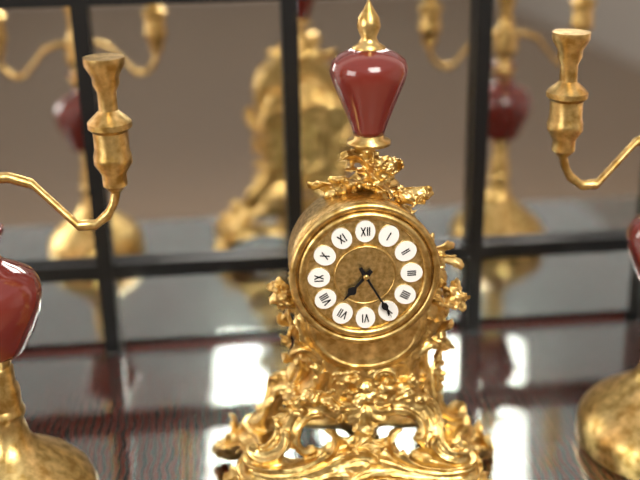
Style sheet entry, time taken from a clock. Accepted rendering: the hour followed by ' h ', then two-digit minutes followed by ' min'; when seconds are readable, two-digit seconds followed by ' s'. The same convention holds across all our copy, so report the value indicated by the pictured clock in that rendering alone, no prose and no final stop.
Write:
7 h 25 min
